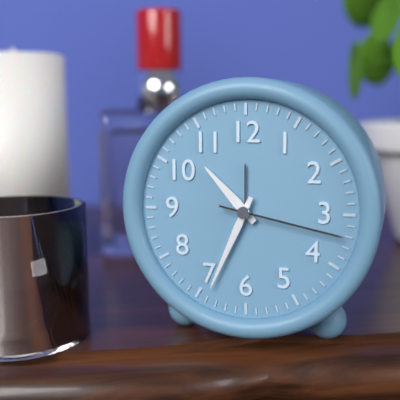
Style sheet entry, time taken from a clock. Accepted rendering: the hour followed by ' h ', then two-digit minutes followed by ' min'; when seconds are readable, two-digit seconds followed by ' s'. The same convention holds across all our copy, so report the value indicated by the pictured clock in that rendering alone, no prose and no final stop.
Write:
10 h 34 min 17 s
